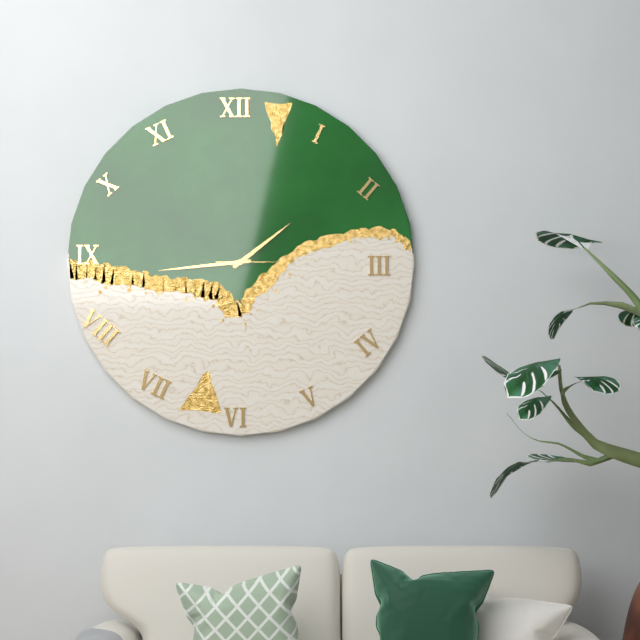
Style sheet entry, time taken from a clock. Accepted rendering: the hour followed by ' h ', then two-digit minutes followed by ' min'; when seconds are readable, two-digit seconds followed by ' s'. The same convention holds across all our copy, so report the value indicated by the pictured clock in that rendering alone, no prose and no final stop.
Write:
1 h 44 min
